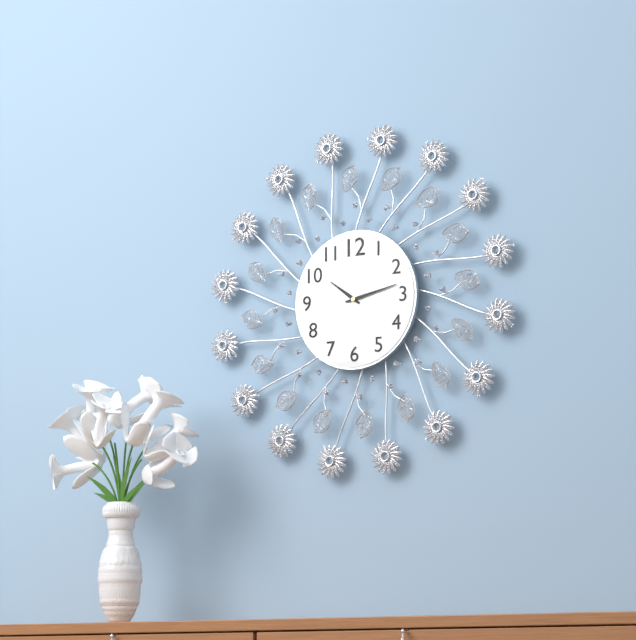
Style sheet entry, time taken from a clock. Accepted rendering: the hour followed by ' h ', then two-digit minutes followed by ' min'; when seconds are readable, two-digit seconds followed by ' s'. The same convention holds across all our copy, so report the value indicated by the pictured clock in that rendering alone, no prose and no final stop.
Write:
10 h 13 min
